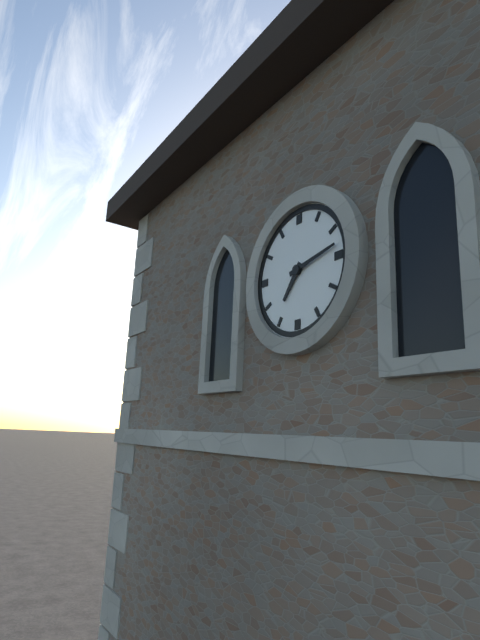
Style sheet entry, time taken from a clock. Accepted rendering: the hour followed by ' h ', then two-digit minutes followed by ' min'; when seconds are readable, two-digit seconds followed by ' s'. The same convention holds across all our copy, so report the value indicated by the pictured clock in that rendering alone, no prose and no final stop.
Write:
7 h 13 min
